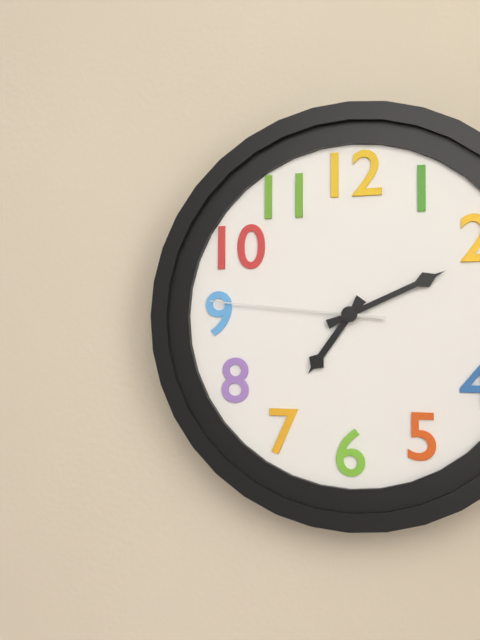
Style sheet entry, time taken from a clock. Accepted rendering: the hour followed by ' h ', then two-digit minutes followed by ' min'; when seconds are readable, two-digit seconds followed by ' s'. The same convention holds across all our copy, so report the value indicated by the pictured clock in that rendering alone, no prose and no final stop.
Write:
7 h 11 min 46 s
